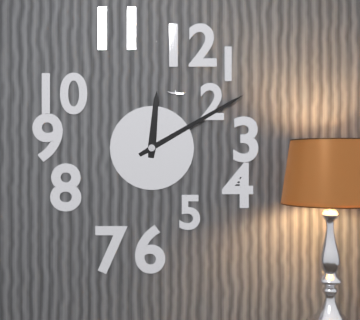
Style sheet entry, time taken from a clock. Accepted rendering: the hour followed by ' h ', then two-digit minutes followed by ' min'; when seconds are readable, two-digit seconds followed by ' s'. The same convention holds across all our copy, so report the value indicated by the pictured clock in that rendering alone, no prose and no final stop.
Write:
12 h 10 min
